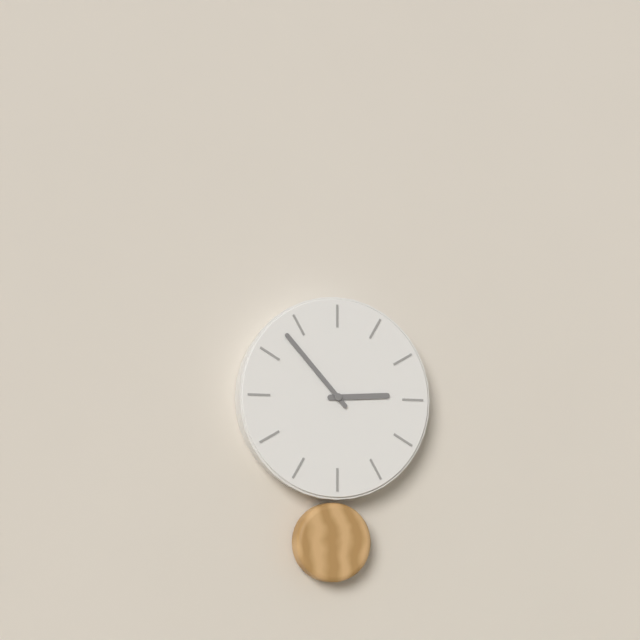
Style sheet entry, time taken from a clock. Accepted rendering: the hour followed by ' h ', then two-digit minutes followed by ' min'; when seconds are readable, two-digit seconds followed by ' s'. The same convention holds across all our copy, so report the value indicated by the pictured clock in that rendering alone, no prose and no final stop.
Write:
2 h 53 min
